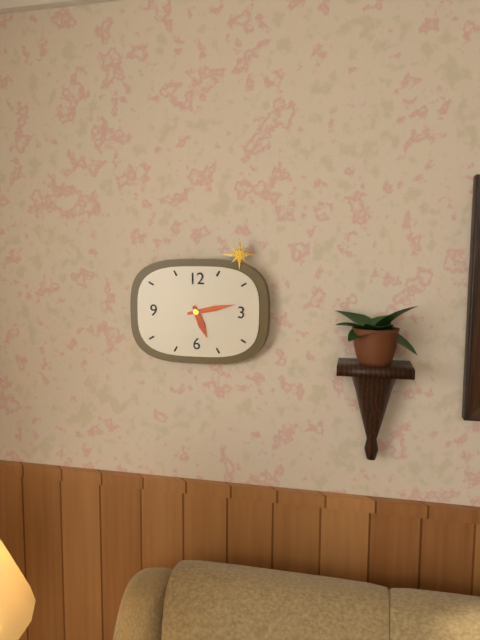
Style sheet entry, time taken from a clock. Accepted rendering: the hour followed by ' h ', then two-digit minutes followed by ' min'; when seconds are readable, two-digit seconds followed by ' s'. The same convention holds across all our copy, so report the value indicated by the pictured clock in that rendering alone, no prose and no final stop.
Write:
5 h 13 min
